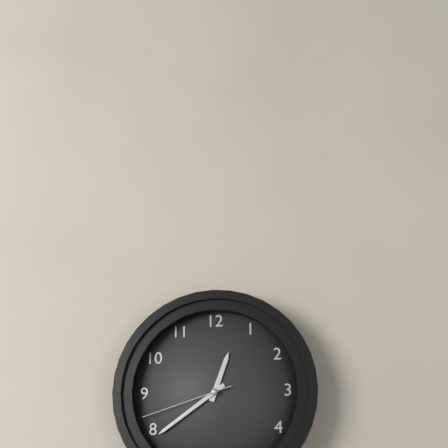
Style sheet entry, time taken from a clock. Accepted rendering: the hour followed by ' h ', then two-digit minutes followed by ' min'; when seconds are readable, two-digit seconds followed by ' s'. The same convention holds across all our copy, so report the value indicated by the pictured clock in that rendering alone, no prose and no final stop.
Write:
12 h 39 min 42 s
